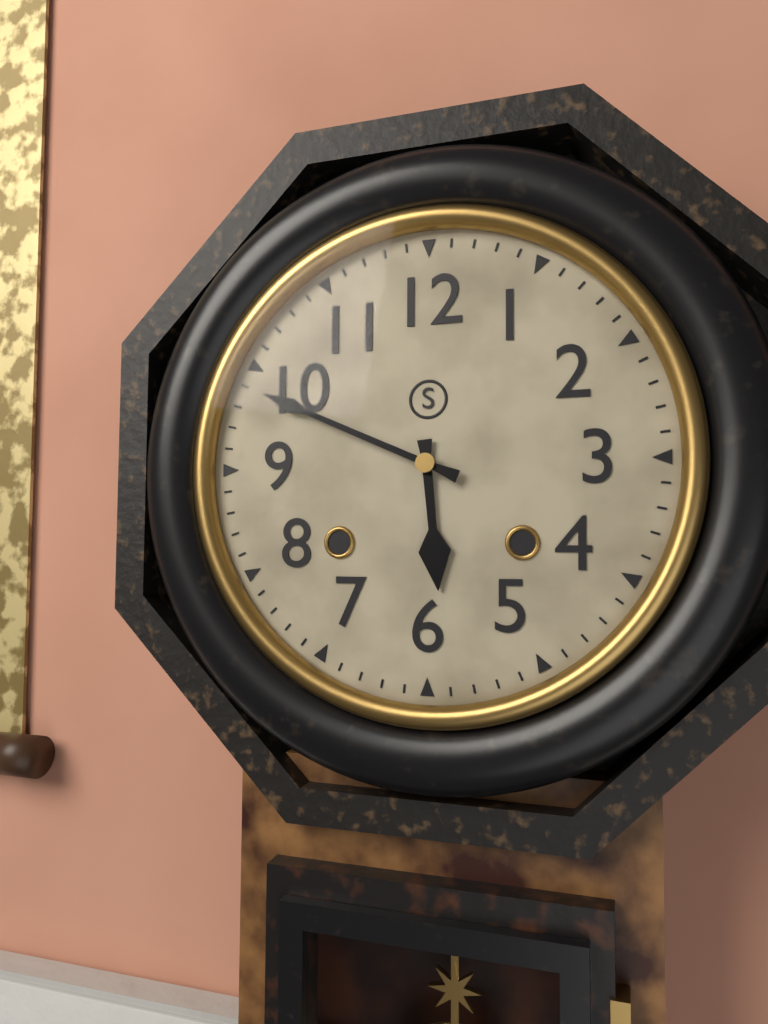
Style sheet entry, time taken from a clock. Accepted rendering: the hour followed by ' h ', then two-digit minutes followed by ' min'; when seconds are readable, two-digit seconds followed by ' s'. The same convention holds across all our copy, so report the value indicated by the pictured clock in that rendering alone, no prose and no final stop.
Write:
5 h 49 min
